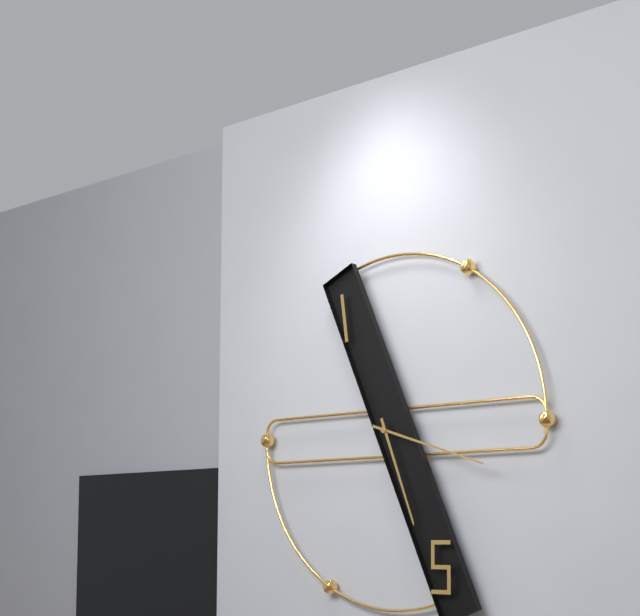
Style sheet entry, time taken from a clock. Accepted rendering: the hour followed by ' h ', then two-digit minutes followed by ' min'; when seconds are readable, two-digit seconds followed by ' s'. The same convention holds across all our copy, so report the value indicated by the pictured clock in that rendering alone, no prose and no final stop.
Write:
5 h 18 min
